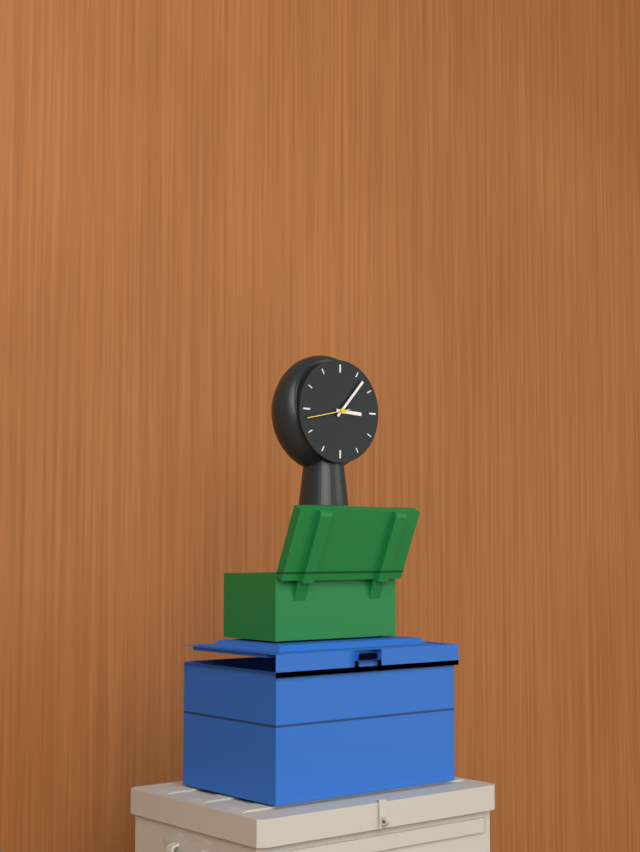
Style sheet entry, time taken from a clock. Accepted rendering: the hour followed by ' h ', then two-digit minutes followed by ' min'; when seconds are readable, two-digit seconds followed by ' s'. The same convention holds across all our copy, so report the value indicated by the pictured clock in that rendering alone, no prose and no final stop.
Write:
3 h 07 min
